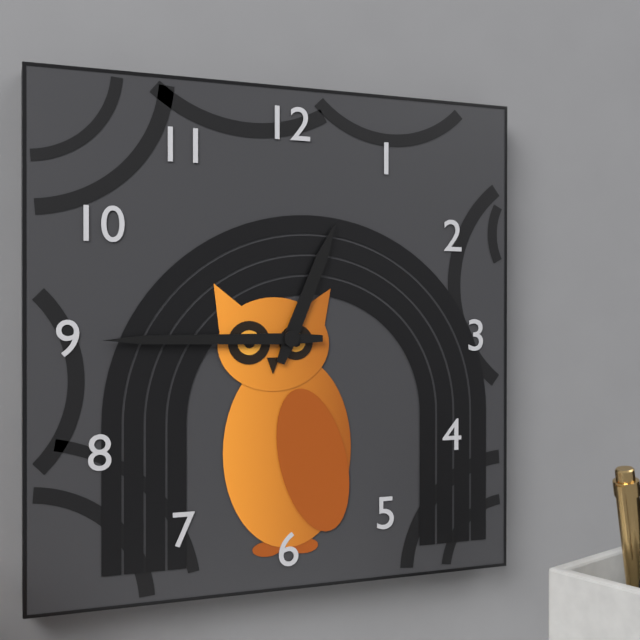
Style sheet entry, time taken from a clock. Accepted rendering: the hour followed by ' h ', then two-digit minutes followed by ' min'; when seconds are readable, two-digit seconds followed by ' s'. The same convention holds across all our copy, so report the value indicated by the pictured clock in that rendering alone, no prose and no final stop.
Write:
12 h 45 min
